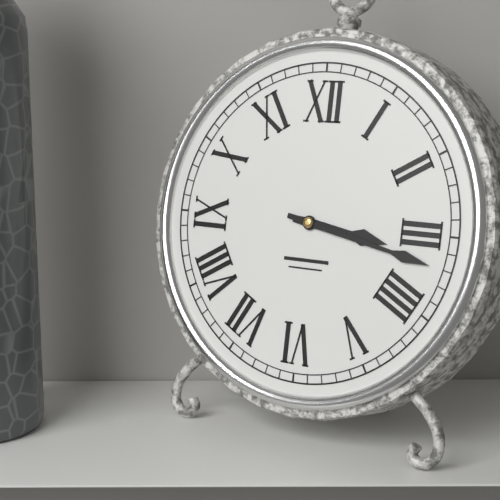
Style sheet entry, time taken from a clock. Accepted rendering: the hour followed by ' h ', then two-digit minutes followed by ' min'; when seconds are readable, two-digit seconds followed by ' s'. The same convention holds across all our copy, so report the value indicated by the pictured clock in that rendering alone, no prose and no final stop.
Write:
3 h 17 min
